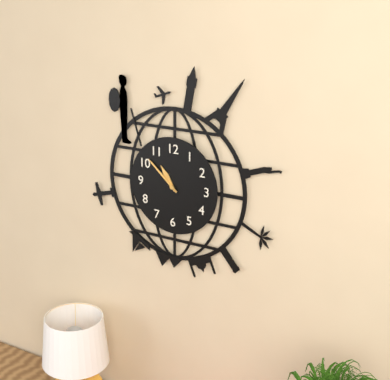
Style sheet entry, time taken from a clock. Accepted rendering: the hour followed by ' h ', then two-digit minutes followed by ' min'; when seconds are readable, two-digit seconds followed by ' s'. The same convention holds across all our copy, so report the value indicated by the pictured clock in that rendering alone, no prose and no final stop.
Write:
10 h 52 min
